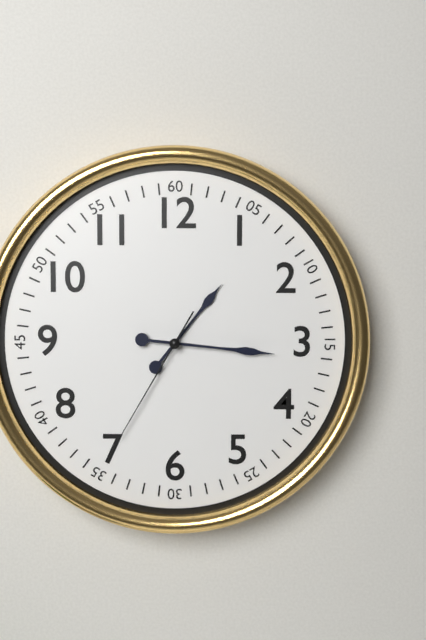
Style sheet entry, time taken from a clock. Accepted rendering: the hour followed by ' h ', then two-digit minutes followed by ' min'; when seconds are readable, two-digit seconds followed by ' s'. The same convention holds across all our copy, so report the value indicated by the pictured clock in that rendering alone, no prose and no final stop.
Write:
1 h 16 min 35 s
